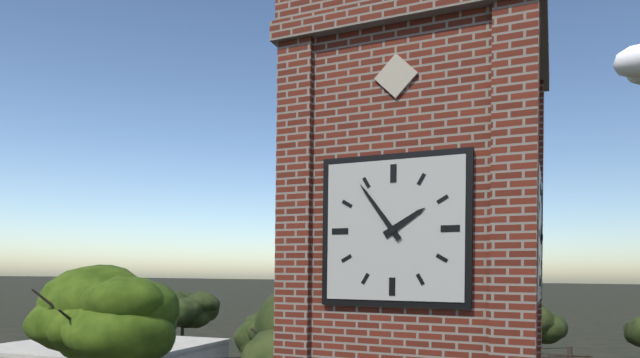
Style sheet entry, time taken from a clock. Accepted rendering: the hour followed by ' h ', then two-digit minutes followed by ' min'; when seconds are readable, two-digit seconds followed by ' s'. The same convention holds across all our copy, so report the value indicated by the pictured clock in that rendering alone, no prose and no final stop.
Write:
1 h 54 min
